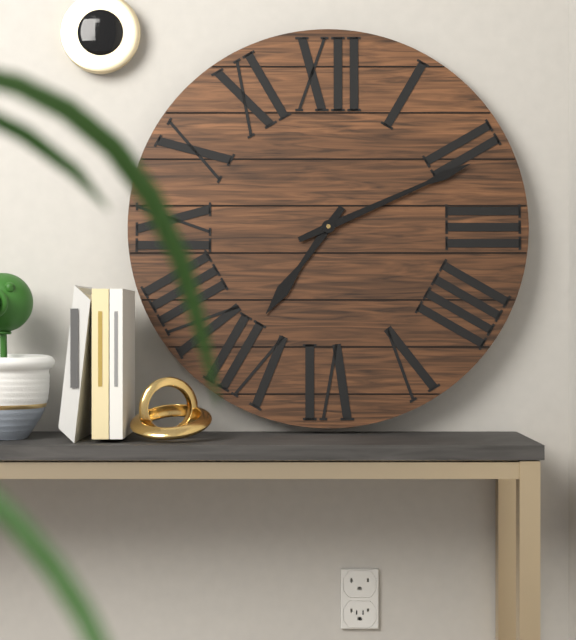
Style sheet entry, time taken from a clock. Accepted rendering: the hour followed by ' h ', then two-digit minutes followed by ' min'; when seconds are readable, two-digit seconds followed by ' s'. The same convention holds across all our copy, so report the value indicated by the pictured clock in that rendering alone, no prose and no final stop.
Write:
7 h 11 min
